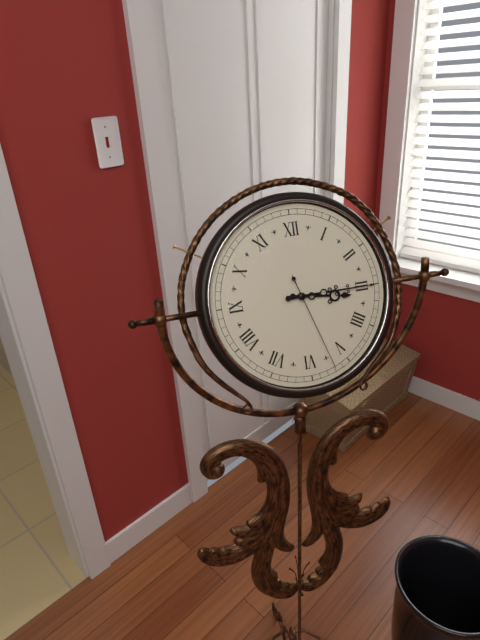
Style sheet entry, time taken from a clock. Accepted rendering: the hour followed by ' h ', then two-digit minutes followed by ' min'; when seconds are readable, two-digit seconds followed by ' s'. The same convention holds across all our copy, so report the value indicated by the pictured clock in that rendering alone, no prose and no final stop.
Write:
3 h 15 min 27 s
